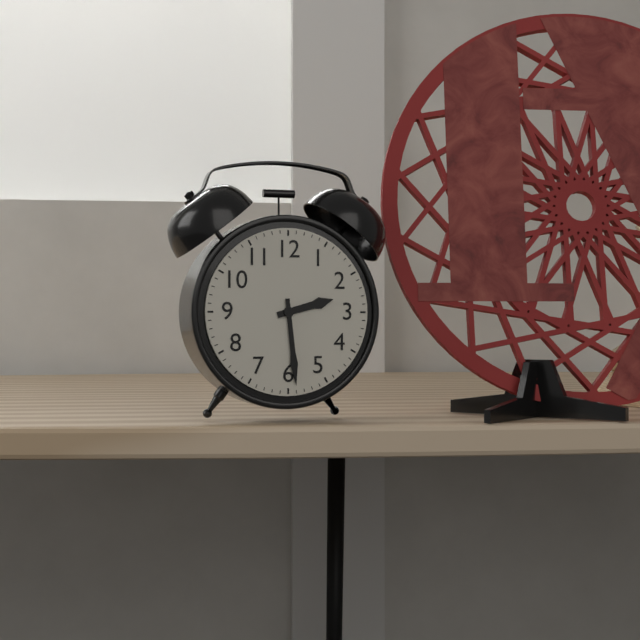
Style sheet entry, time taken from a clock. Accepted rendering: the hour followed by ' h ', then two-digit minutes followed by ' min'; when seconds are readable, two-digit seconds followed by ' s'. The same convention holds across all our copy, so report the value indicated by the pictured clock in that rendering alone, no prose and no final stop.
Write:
2 h 29 min
